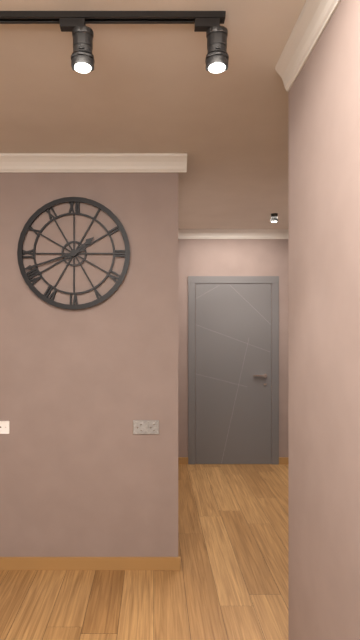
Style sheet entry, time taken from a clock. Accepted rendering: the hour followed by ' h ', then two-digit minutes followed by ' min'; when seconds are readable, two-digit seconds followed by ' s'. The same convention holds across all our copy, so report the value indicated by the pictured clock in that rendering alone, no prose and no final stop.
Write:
1 h 42 min
